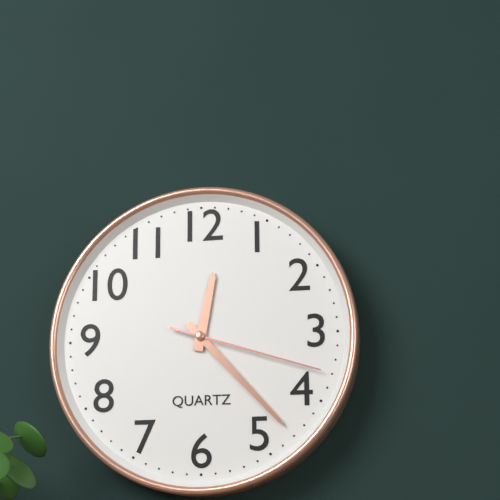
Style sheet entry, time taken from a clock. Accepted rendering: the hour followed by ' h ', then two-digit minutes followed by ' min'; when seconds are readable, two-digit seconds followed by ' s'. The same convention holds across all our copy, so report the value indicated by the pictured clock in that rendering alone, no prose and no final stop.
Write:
12 h 23 min 18 s
